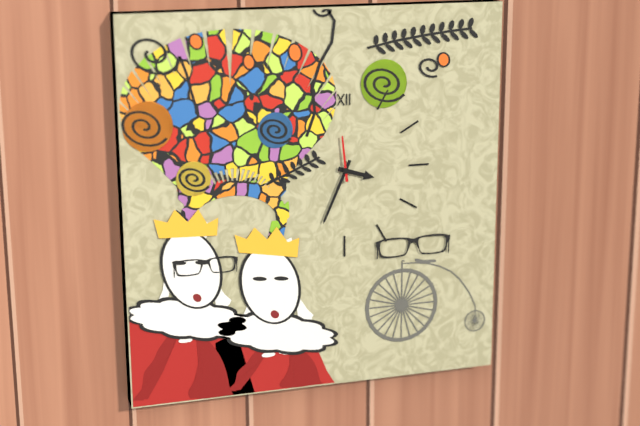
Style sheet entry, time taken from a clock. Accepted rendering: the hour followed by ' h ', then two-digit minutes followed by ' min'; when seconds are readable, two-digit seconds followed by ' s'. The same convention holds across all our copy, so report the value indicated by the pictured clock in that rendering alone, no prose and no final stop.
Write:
3 h 34 min
